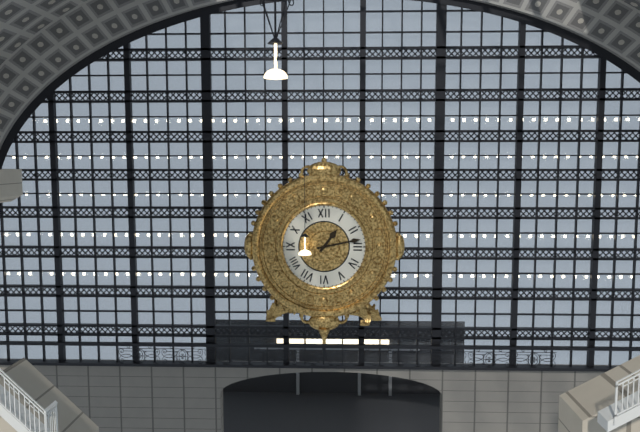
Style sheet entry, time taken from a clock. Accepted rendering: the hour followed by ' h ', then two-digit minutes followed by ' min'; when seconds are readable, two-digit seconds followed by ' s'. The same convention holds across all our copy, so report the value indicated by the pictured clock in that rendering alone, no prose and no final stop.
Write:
1 h 13 min
